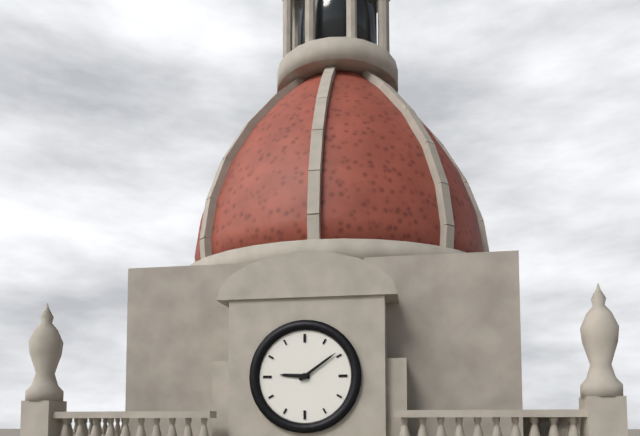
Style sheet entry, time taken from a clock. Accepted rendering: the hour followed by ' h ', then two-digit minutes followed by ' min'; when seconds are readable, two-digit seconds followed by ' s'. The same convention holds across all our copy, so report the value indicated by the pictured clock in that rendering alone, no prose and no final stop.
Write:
9 h 09 min
